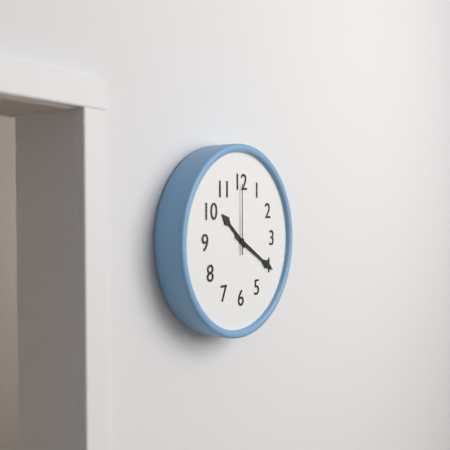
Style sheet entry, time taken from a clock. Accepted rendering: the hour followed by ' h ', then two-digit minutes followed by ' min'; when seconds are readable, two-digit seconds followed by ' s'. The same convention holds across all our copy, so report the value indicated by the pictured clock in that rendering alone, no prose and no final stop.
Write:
10 h 20 min 00 s
